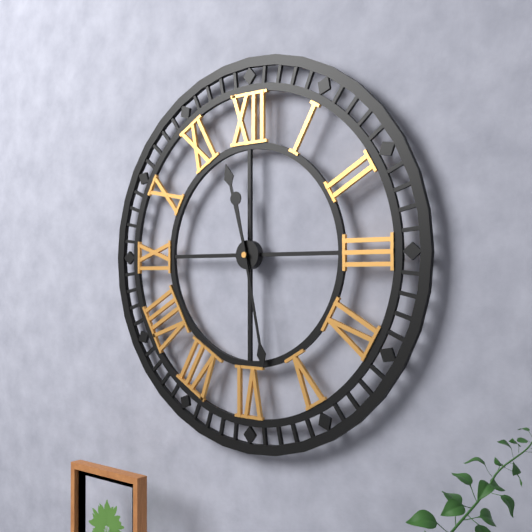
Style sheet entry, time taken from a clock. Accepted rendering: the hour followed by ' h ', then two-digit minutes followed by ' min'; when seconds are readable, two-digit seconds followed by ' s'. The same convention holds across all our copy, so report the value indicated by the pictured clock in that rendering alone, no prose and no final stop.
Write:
11 h 28 min
